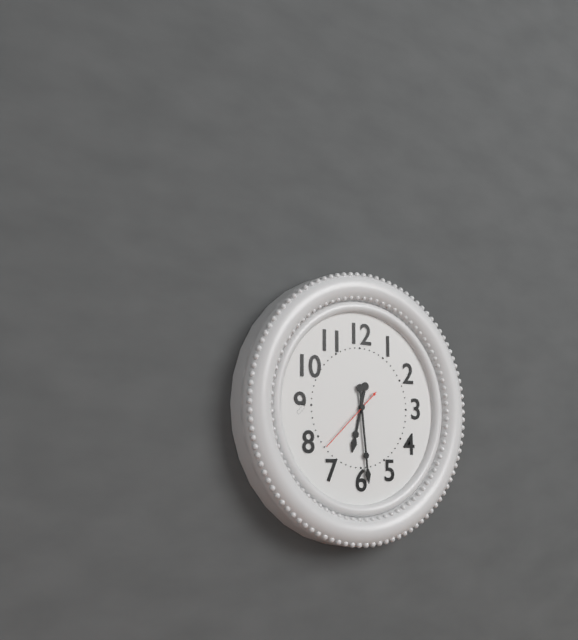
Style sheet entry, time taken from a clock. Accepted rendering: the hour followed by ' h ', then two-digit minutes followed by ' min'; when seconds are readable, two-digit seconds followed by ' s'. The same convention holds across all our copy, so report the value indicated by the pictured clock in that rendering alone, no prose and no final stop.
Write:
6 h 29 min 38 s
